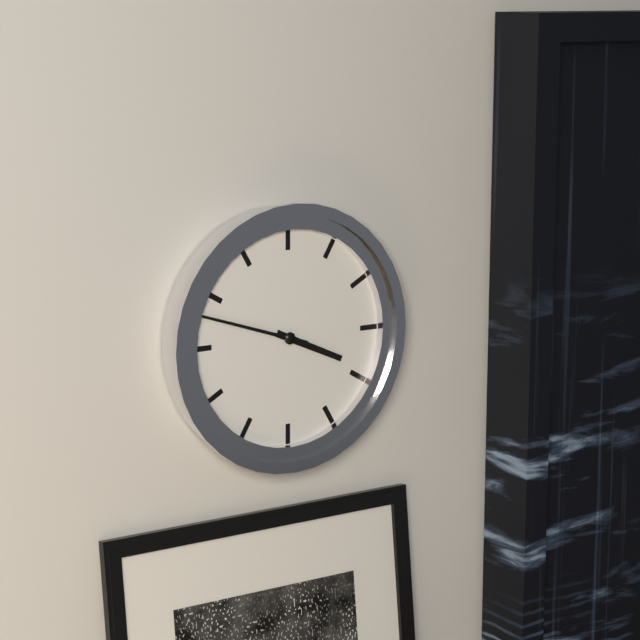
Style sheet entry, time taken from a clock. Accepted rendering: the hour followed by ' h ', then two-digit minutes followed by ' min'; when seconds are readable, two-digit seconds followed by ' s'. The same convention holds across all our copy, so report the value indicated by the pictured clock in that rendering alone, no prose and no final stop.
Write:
3 h 48 min
